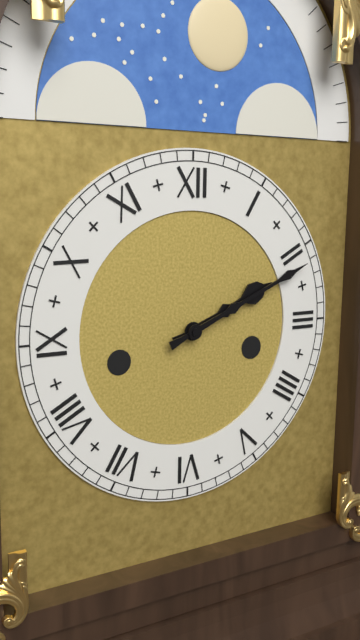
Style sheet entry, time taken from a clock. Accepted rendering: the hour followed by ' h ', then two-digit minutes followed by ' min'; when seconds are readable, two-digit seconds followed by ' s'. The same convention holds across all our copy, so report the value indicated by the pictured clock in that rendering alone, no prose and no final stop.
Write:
2 h 11 min
